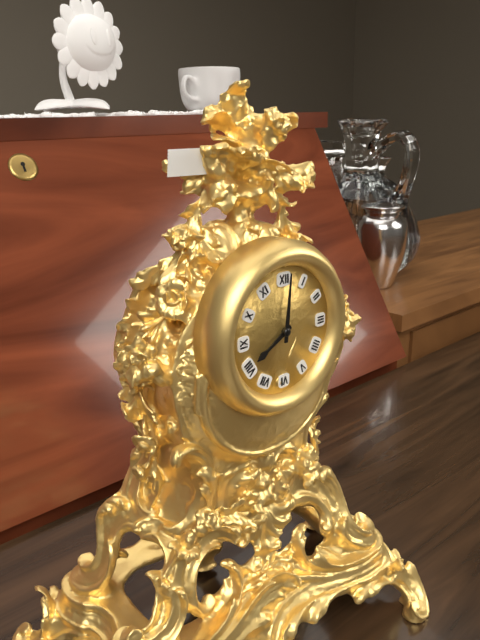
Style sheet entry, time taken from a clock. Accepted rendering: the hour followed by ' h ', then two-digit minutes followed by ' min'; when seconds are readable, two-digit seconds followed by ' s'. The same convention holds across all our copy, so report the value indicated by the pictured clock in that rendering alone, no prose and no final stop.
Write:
8 h 01 min
